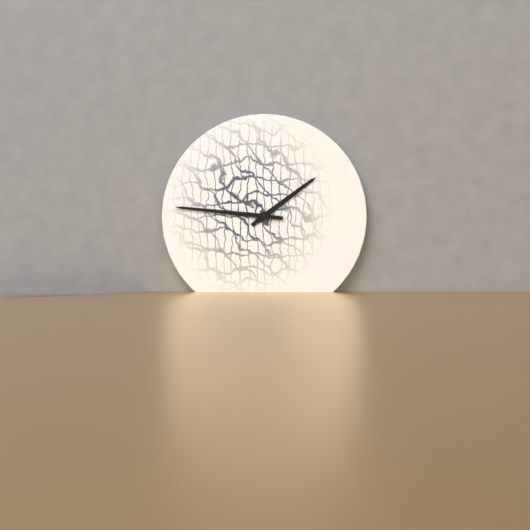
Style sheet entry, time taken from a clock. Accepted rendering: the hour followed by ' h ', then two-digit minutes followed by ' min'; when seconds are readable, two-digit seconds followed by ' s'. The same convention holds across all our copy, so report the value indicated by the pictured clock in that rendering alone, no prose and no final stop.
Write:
1 h 46 min
